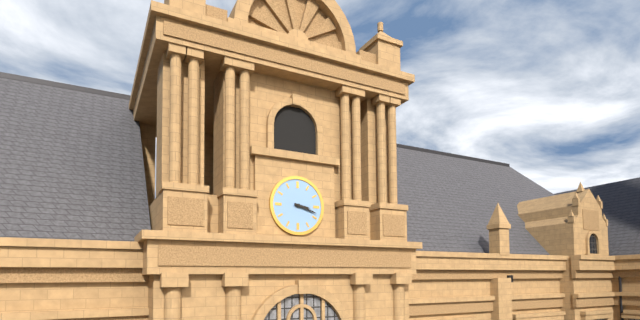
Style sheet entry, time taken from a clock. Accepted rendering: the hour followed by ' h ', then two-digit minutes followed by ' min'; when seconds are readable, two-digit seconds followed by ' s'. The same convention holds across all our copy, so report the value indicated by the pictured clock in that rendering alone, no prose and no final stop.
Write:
3 h 18 min
